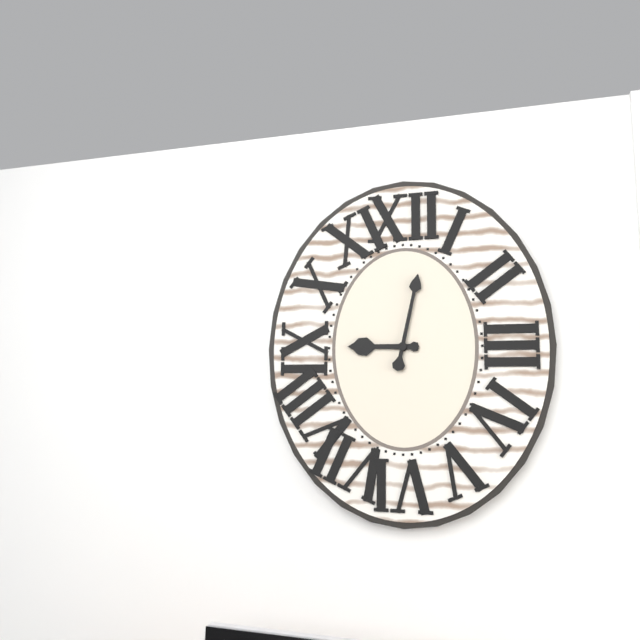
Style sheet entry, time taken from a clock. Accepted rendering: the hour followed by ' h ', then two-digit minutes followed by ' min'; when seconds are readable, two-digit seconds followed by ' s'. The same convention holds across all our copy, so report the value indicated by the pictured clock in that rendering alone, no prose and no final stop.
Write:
9 h 02 min
